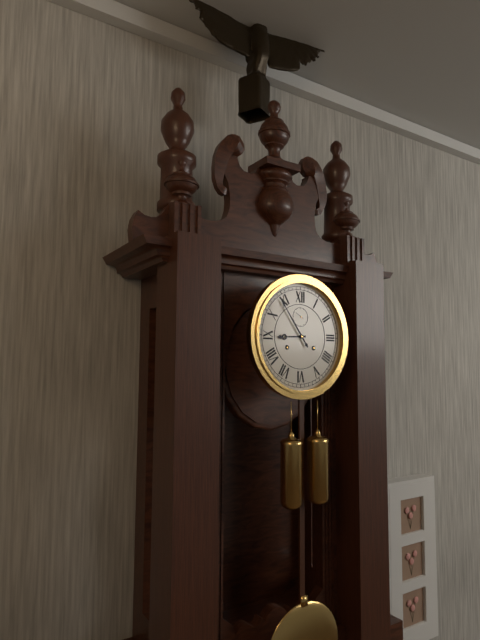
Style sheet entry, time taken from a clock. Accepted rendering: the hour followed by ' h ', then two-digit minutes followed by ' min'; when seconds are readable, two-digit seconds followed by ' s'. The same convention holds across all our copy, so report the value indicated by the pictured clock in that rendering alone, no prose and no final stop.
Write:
8 h 54 min
